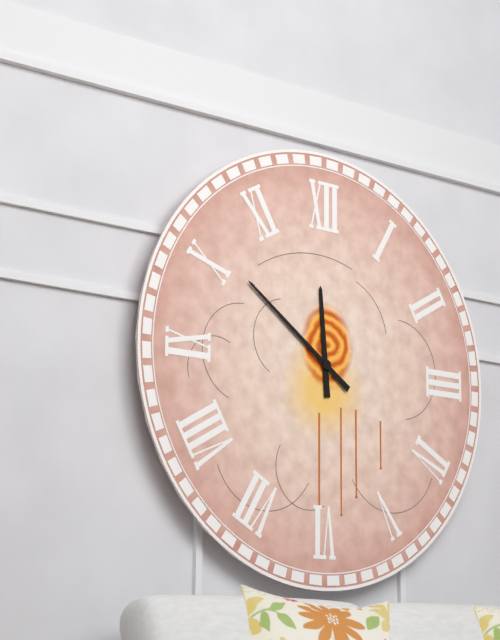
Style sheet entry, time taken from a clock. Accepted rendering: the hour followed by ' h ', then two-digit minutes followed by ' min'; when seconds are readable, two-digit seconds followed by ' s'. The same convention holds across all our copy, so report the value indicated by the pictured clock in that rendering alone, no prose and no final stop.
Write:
11 h 51 min
